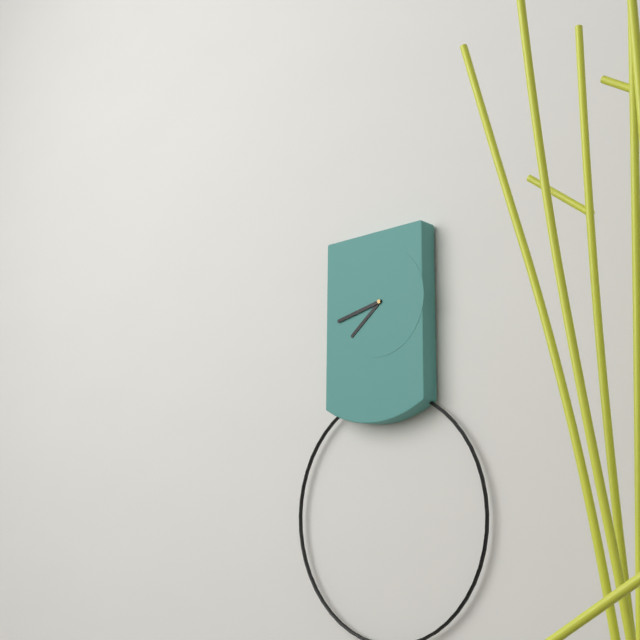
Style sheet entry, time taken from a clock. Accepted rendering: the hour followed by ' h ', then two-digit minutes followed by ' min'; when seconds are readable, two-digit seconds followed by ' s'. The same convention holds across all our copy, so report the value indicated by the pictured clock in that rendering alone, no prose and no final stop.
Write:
7 h 43 min
